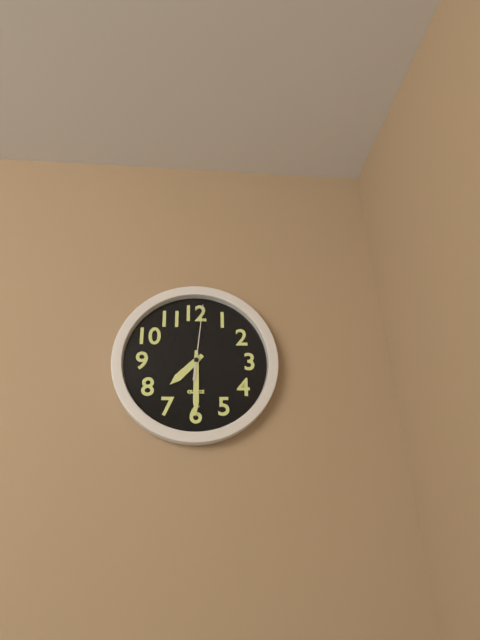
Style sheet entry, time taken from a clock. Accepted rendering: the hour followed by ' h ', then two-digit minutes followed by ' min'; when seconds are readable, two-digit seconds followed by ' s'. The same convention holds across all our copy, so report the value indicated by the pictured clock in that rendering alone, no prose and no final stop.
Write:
7 h 30 min 01 s
